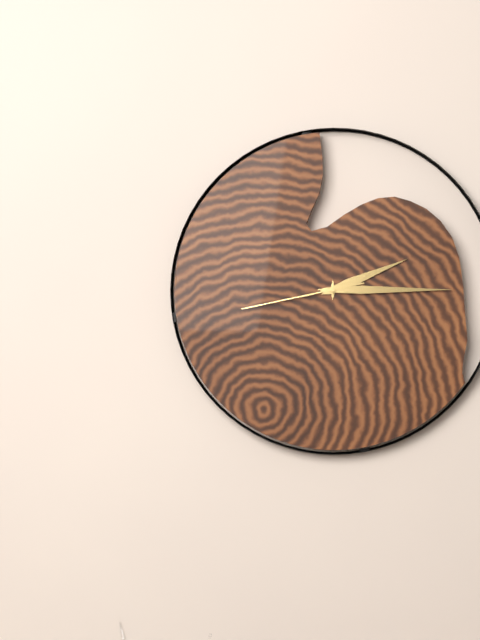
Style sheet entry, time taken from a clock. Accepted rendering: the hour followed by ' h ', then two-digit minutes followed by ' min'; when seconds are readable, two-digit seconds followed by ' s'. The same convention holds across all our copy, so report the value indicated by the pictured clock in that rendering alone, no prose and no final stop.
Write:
2 h 15 min 43 s
